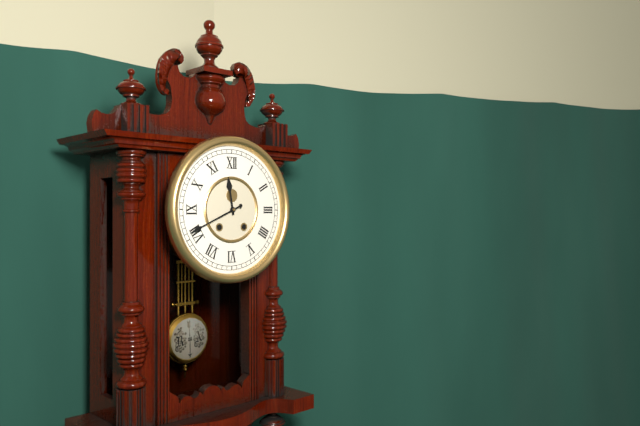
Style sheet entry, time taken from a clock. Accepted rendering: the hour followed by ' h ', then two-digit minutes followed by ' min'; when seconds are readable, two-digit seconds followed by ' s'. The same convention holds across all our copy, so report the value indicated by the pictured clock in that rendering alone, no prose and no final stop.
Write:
11 h 41 min
